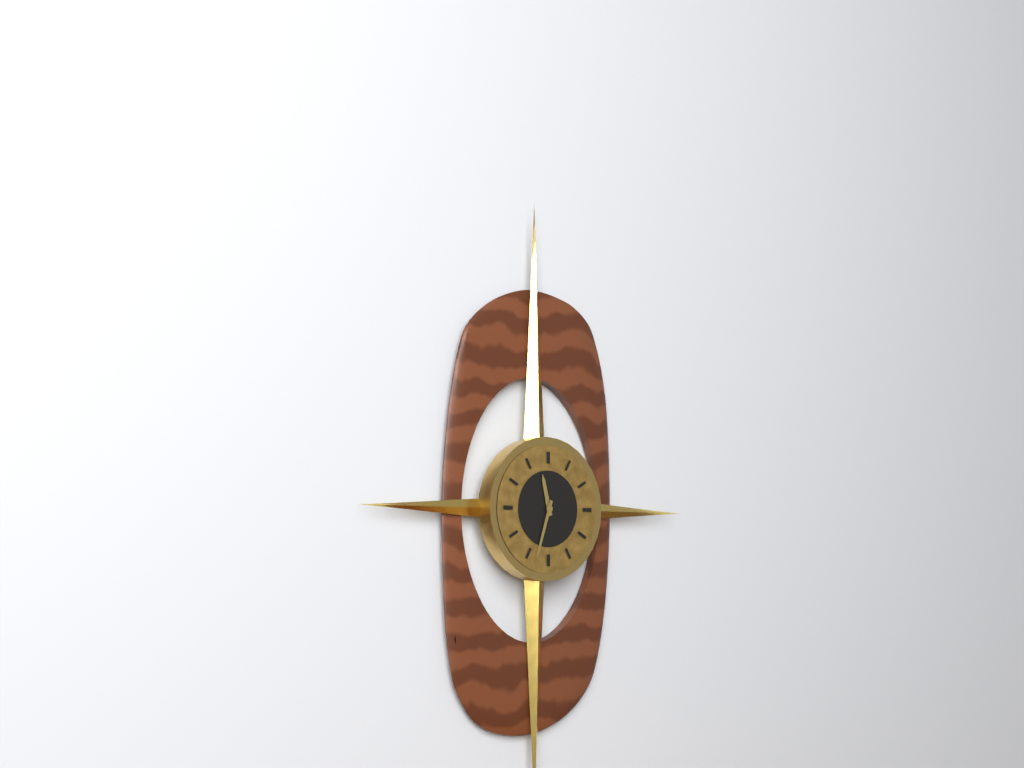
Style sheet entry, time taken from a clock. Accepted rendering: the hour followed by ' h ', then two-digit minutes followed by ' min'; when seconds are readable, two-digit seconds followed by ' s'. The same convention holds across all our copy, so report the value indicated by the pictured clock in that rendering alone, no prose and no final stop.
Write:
11 h 33 min
